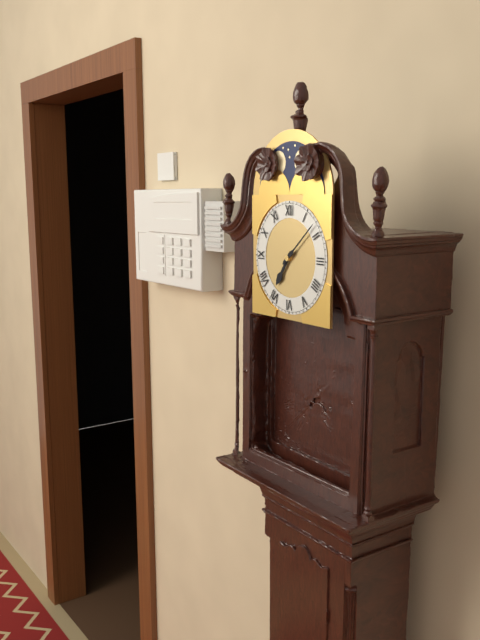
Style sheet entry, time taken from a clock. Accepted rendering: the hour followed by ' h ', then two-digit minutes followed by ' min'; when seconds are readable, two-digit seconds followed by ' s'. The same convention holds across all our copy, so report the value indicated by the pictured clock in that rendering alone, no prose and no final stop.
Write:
7 h 08 min
